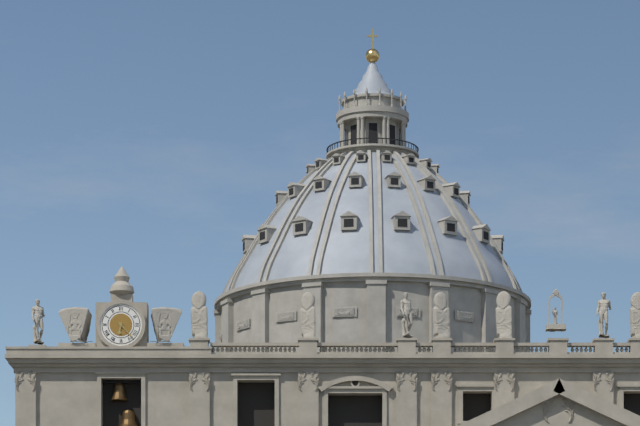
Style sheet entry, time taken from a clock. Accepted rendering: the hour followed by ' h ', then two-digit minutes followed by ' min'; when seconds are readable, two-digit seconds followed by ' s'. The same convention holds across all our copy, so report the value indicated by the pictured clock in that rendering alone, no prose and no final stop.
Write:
6 h 23 min
